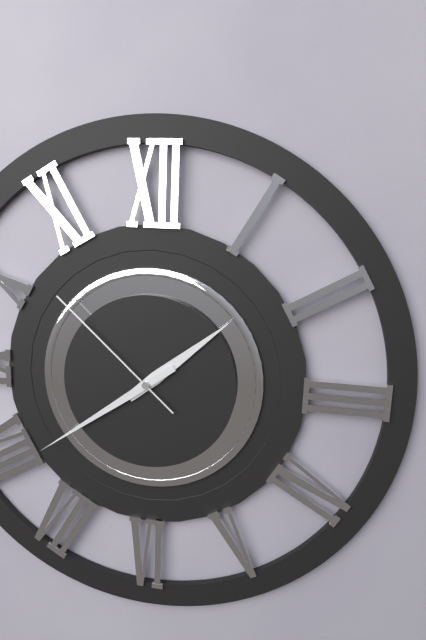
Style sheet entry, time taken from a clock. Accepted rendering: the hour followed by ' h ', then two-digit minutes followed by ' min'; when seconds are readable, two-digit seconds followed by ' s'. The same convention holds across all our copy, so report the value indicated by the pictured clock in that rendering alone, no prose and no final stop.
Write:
1 h 39 min 52 s
